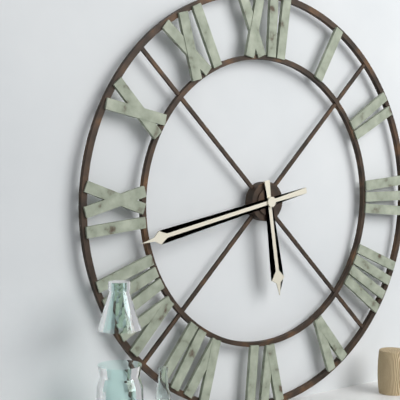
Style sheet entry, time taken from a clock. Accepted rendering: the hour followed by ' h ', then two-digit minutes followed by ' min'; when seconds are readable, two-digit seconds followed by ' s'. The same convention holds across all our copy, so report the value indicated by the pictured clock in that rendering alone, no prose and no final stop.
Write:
5 h 43 min
